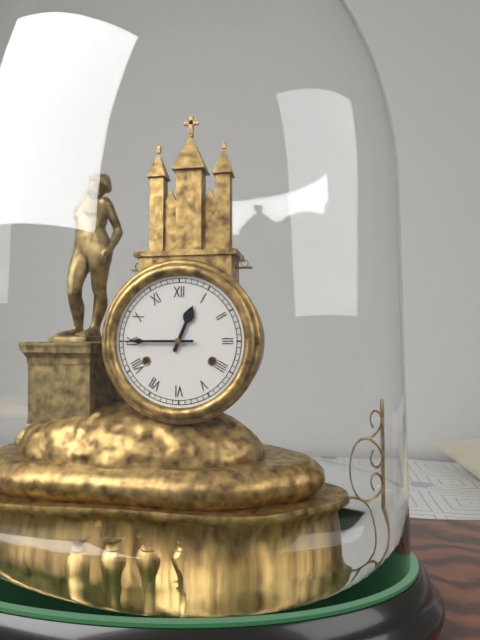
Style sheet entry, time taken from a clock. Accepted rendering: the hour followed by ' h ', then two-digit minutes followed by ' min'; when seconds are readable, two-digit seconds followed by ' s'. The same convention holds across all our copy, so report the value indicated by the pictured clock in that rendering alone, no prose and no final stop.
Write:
12 h 45 min
